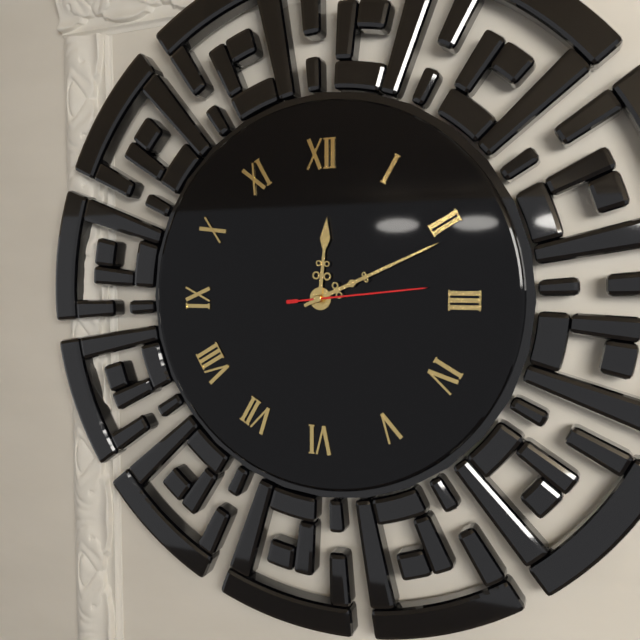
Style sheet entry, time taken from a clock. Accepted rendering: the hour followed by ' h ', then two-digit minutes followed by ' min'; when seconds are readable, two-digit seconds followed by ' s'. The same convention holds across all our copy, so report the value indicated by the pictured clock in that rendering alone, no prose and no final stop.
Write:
12 h 11 min 14 s
